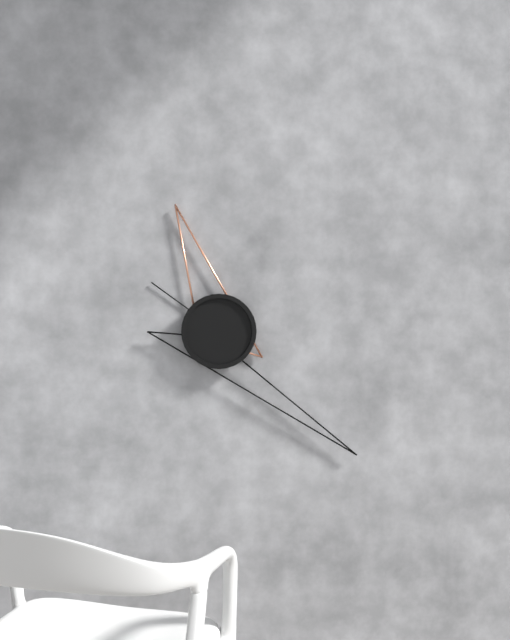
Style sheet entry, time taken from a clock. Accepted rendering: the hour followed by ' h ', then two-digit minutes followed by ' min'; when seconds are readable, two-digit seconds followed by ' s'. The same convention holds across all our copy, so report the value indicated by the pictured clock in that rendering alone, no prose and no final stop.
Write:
11 h 22 min 51 s
